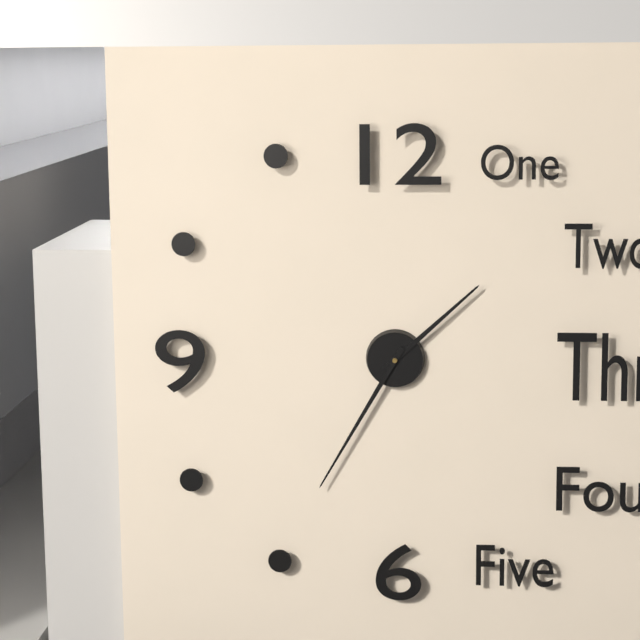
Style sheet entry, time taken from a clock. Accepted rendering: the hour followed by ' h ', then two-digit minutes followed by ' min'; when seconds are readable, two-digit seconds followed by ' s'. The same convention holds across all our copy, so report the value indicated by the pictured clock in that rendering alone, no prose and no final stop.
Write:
1 h 35 min
